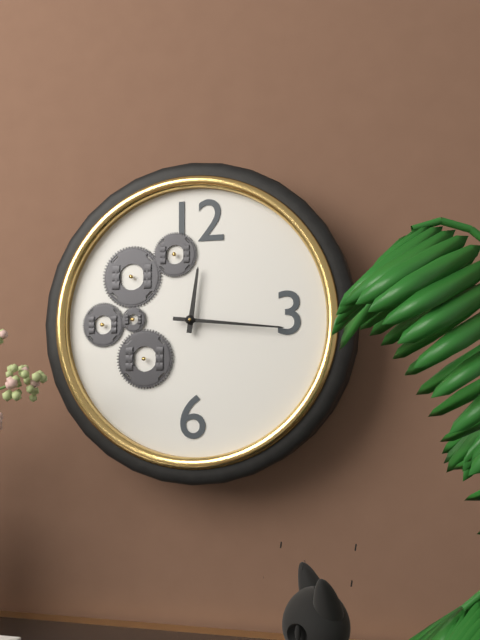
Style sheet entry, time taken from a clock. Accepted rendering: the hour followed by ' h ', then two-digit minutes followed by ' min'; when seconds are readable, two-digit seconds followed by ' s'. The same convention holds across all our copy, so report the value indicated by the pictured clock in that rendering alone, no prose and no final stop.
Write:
12 h 16 min
